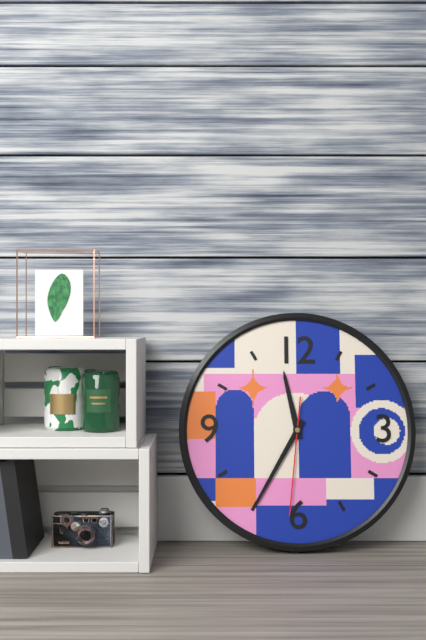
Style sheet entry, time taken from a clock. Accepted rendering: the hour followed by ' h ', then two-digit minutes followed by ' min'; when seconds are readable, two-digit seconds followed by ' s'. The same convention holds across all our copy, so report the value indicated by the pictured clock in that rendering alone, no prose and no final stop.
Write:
11 h 35 min 31 s
